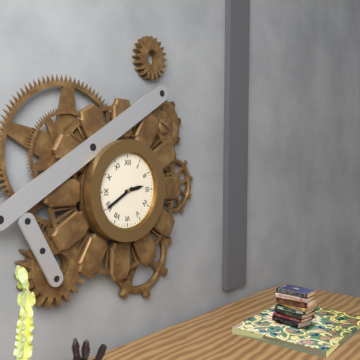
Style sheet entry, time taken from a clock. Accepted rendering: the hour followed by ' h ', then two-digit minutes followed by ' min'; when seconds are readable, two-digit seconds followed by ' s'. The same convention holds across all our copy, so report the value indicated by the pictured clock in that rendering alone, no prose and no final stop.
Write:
2 h 40 min
